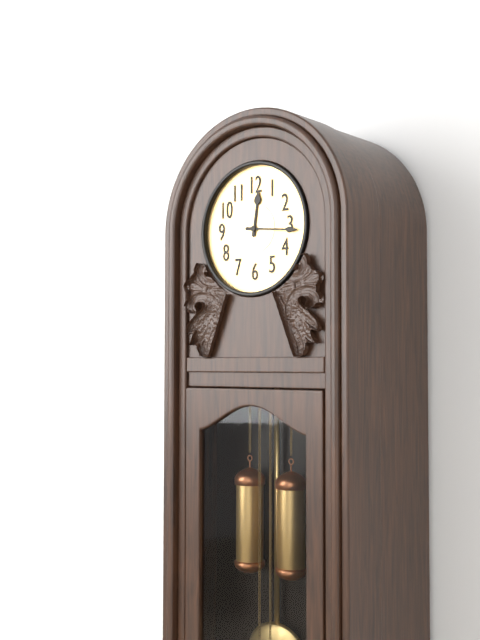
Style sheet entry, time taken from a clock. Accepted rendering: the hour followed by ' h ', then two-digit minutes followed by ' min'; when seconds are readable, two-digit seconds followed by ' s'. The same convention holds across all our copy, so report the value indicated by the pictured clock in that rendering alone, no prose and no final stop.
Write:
12 h 16 min
